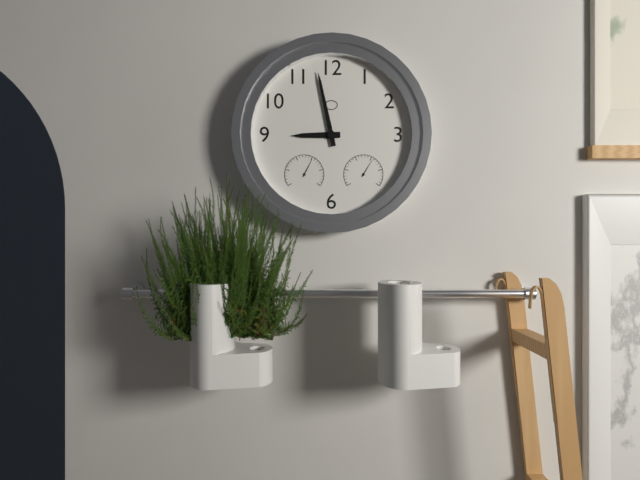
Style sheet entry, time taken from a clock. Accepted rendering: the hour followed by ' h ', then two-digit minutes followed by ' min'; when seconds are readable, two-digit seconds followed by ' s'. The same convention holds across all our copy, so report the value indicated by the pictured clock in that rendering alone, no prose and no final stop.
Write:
8 h 58 min
